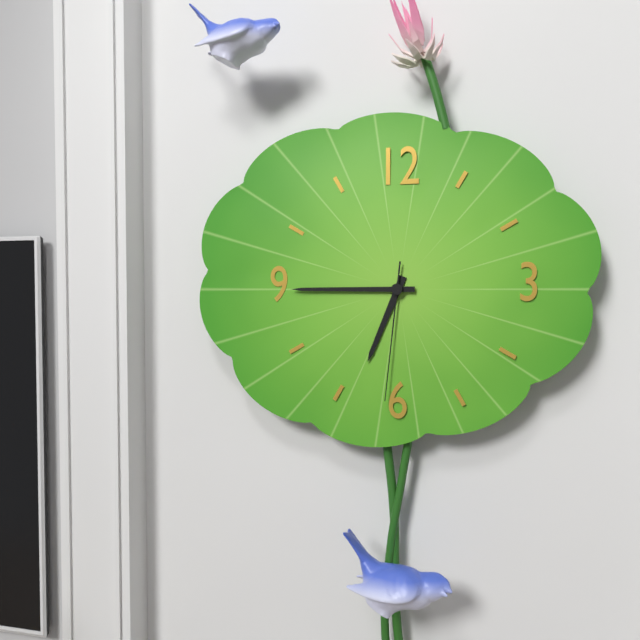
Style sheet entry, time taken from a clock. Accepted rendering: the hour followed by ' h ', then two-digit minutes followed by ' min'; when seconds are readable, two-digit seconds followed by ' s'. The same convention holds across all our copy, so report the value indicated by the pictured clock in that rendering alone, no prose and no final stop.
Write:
6 h 45 min 31 s
